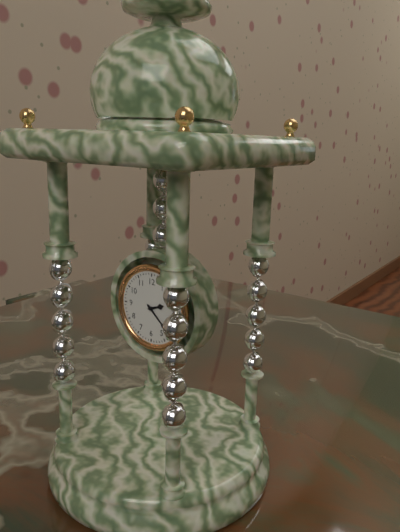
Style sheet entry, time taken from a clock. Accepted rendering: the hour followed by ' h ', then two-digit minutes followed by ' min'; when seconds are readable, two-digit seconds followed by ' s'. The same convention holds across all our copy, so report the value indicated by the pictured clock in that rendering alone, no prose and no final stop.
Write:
2 h 22 min
